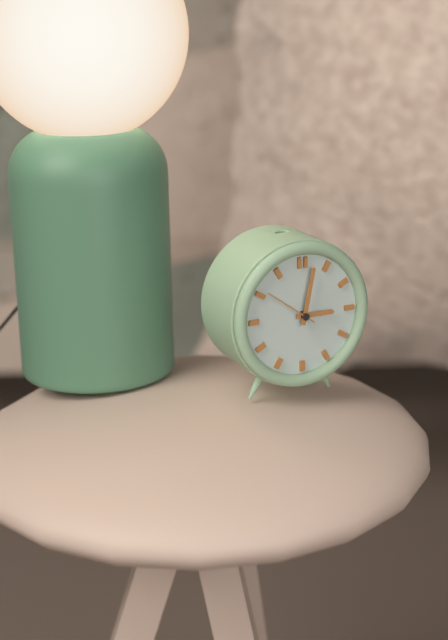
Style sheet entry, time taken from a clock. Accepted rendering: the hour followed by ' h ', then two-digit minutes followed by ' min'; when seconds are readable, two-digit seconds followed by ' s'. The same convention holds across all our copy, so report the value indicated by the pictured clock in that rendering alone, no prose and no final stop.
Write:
3 h 02 min
